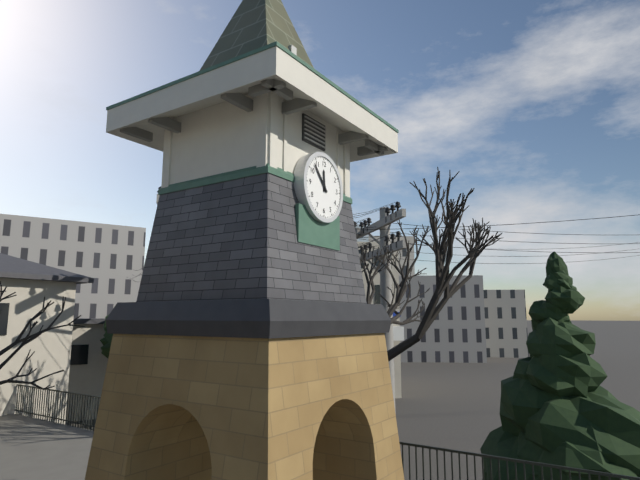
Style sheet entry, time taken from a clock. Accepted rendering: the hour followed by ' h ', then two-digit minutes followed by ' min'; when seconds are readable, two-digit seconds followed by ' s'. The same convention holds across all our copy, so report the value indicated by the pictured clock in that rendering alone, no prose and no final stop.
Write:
11 h 53 min
